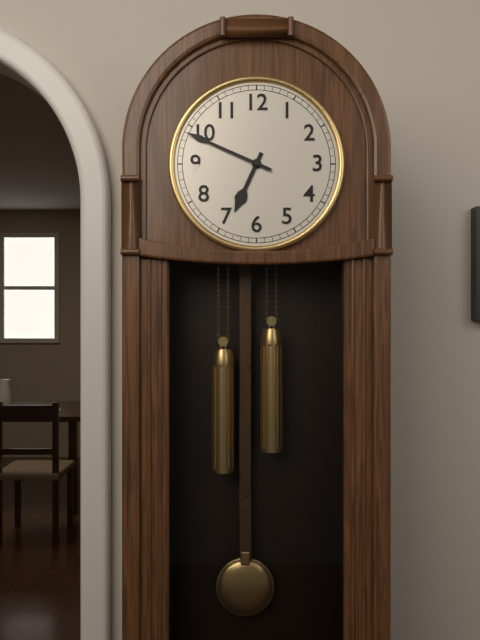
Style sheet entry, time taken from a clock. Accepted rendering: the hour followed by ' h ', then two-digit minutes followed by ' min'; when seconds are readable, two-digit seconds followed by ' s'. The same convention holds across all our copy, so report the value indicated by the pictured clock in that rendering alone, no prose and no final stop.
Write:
6 h 49 min
